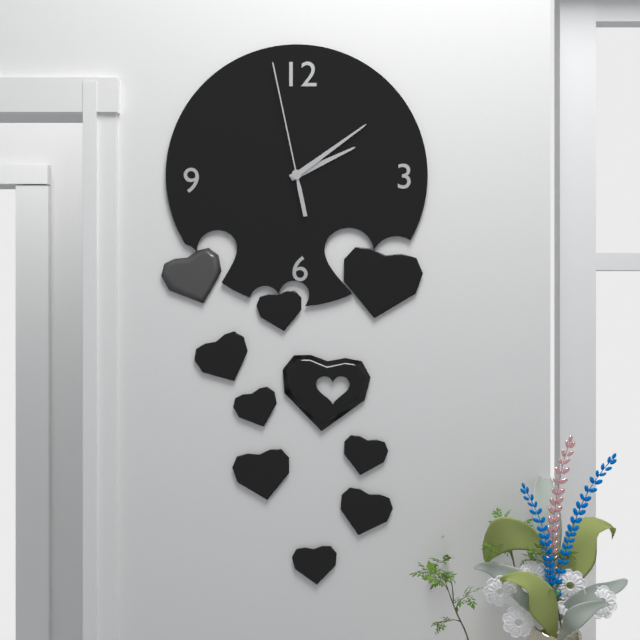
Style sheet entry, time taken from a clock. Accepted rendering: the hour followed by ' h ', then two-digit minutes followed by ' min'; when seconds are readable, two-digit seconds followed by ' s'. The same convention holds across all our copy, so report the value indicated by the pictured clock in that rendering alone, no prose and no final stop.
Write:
2 h 09 min 58 s
